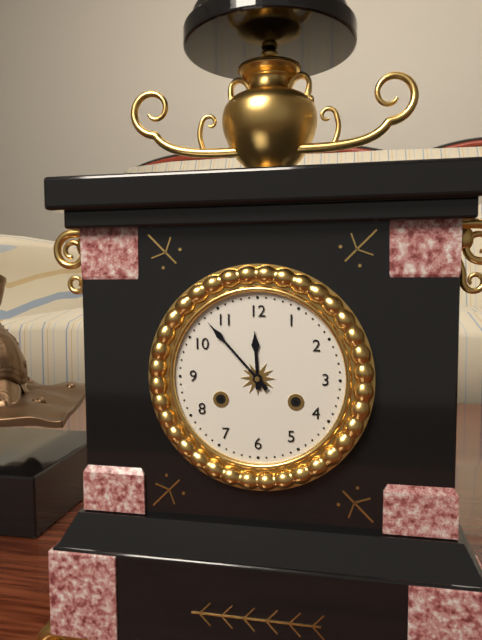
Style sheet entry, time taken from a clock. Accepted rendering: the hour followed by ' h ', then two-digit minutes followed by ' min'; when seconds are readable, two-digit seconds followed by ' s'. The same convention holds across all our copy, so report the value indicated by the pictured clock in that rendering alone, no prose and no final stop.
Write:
11 h 53 min
